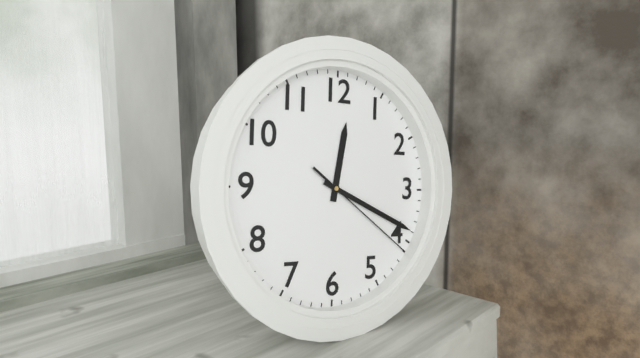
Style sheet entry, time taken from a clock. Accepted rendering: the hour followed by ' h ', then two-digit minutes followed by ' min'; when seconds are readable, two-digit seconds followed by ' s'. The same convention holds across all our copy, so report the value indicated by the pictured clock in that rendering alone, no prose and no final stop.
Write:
12 h 19 min 21 s
